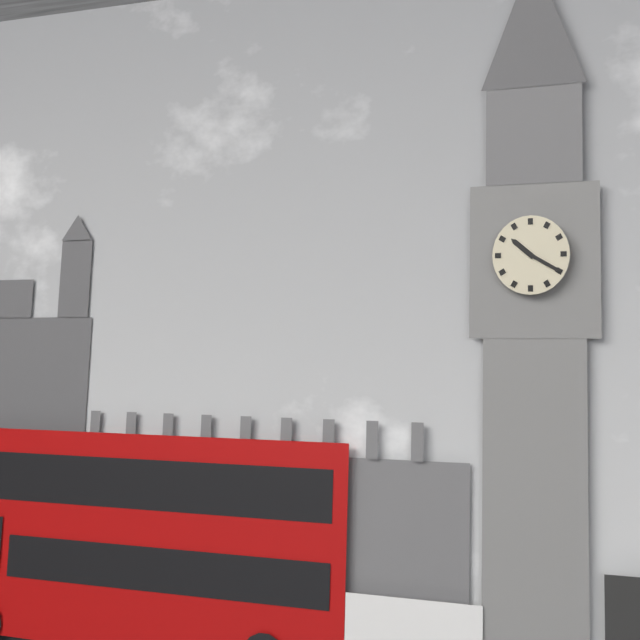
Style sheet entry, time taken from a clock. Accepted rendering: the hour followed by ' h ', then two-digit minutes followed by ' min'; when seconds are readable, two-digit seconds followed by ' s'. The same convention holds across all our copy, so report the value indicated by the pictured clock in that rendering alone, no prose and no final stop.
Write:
10 h 20 min
